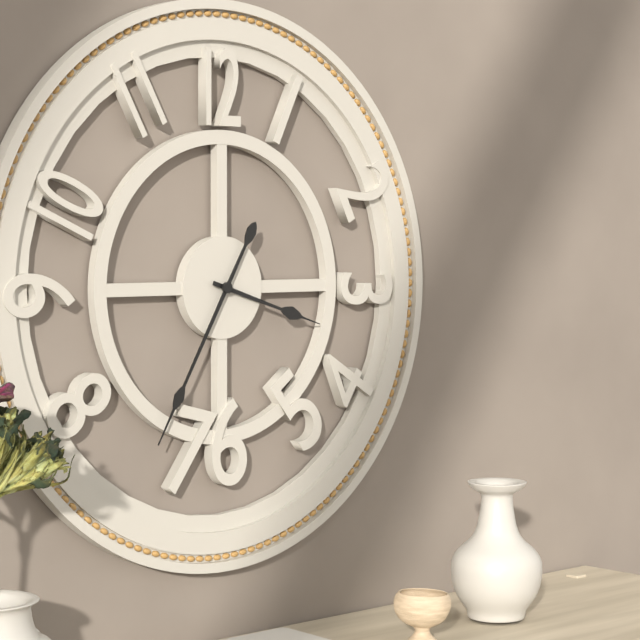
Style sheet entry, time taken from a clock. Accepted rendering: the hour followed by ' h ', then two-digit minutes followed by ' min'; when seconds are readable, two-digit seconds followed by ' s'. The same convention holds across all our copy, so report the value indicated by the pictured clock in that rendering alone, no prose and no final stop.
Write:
3 h 35 min
